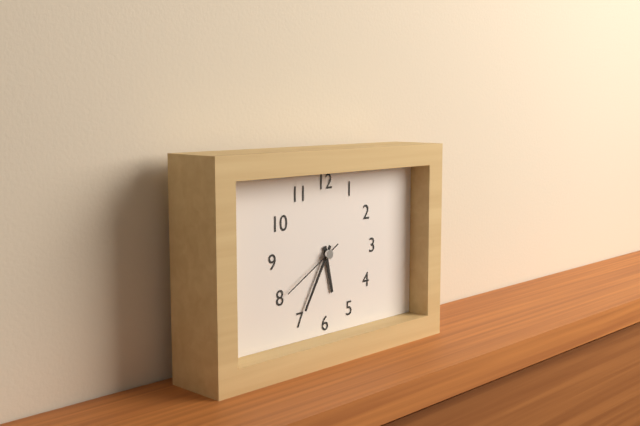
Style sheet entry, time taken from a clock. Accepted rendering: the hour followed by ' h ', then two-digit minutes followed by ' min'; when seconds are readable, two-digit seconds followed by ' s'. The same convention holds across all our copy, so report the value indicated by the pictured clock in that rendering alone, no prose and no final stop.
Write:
5 h 35 min 40 s
